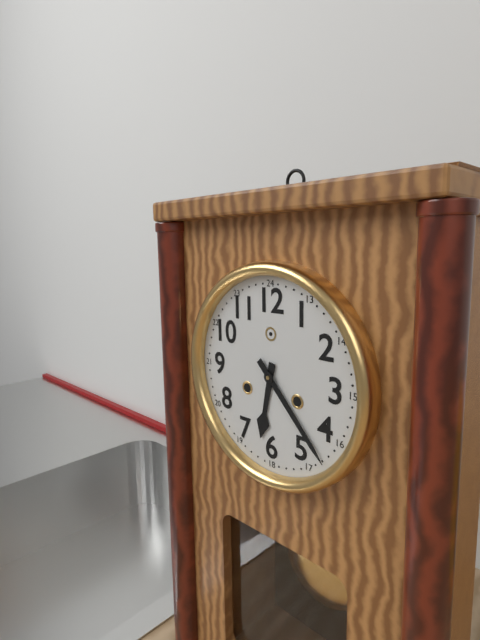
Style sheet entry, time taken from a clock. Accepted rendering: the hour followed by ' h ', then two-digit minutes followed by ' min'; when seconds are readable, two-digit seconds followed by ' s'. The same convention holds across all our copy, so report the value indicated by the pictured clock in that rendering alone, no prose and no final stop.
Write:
6 h 23 min
